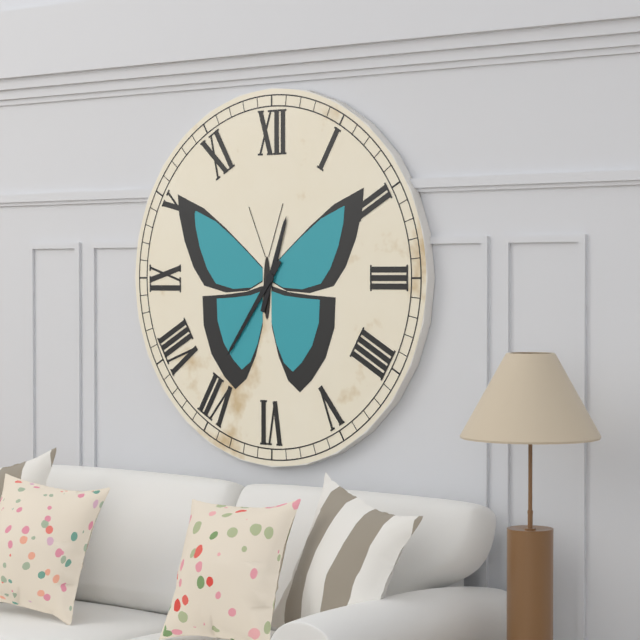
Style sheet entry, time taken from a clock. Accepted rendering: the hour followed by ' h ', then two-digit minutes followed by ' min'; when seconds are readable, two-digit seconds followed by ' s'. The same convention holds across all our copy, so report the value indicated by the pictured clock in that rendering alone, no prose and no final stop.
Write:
12 h 36 min
